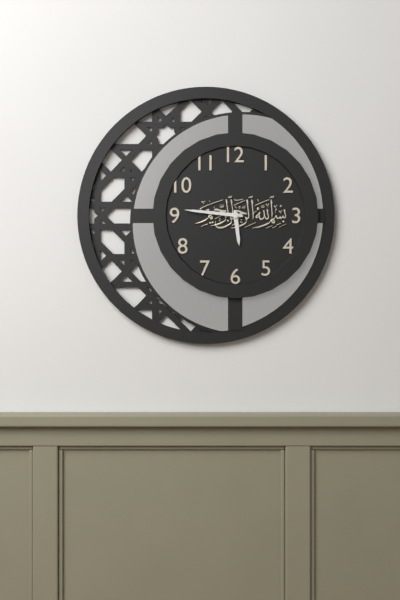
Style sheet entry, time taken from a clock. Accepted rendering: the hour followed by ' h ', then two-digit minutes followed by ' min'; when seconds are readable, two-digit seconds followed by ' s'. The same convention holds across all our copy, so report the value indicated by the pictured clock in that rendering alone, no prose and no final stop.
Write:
5 h 46 min
